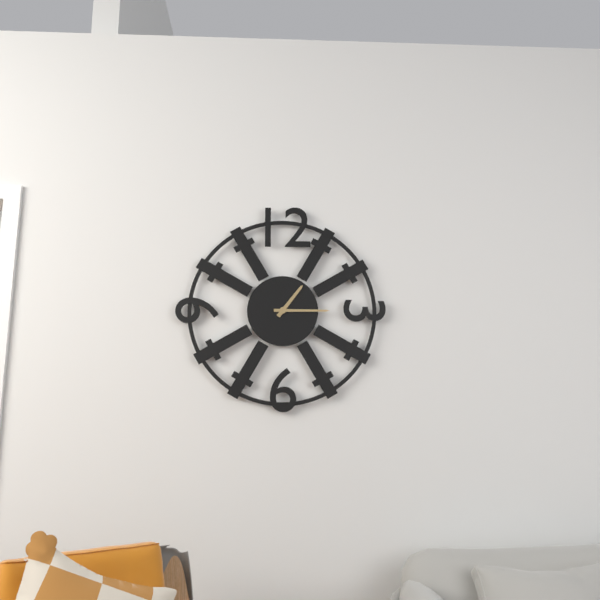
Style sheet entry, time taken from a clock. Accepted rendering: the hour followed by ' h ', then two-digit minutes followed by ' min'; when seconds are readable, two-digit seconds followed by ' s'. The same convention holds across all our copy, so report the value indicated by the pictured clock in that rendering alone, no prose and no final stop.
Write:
1 h 15 min
